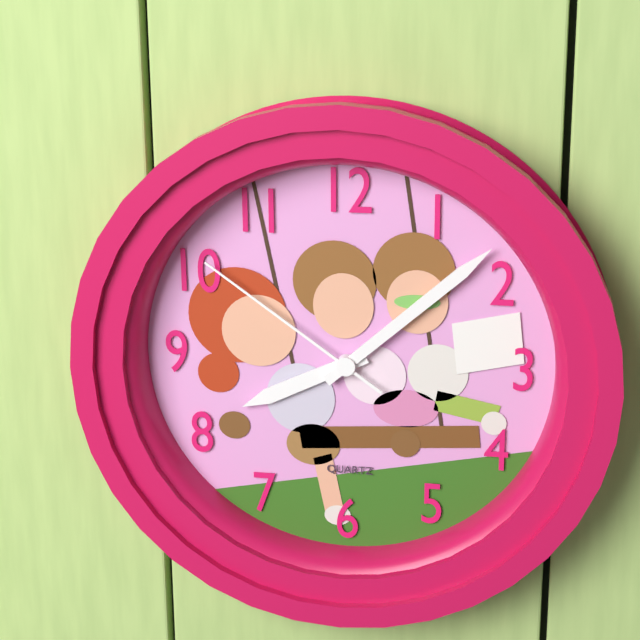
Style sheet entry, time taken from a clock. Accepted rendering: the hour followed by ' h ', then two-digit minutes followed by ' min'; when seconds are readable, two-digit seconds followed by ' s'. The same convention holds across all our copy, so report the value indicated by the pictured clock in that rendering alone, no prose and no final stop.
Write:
8 h 08 min 51 s
